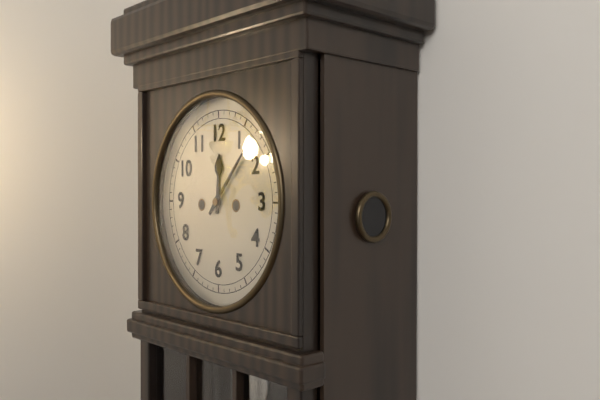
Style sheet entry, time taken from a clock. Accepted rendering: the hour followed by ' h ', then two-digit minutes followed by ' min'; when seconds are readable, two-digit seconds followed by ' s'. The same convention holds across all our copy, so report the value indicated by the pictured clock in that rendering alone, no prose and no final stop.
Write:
12 h 07 min
